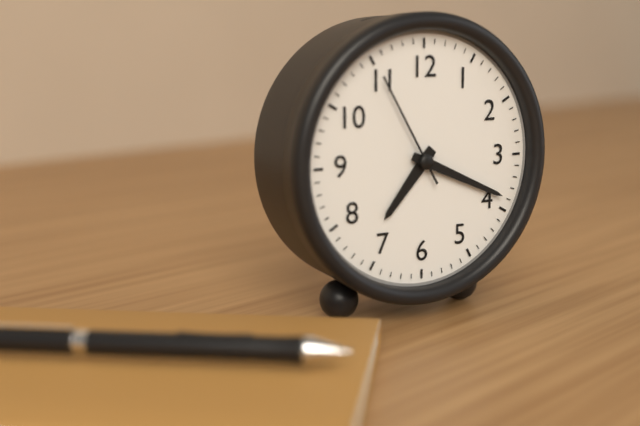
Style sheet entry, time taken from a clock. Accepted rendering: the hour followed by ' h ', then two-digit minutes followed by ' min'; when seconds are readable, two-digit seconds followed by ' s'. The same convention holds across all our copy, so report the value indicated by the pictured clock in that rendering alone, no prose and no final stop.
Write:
7 h 19 min 55 s
